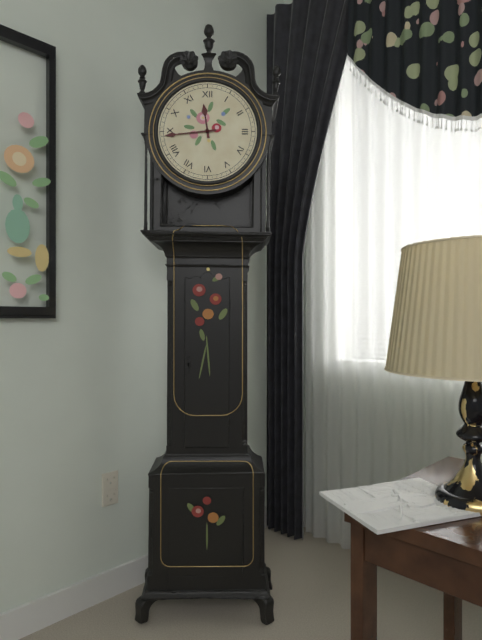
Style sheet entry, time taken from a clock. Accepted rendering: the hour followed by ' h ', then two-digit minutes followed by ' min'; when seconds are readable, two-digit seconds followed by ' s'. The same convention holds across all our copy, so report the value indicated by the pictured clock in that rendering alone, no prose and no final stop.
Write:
11 h 44 min
